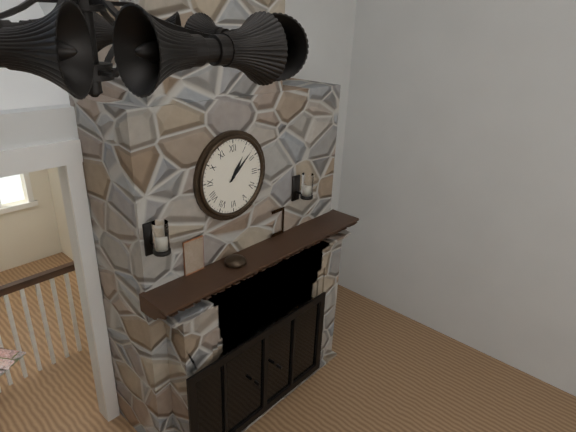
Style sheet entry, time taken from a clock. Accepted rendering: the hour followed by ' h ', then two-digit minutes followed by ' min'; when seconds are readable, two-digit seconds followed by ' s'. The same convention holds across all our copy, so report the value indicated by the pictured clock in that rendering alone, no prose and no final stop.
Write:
1 h 08 min
